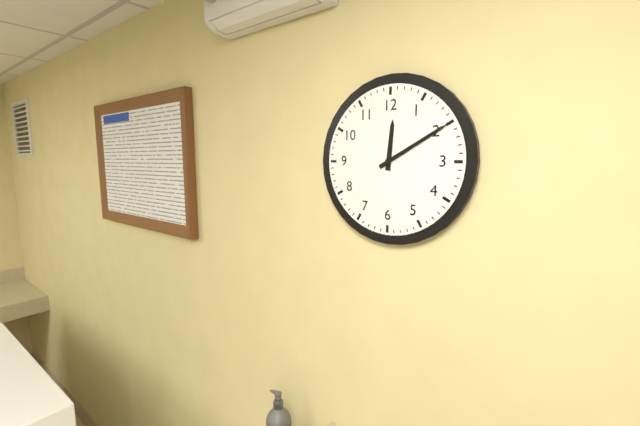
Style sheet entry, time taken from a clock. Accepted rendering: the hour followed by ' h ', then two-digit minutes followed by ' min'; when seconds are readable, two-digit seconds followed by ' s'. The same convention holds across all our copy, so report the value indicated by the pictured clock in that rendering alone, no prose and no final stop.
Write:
12 h 10 min
